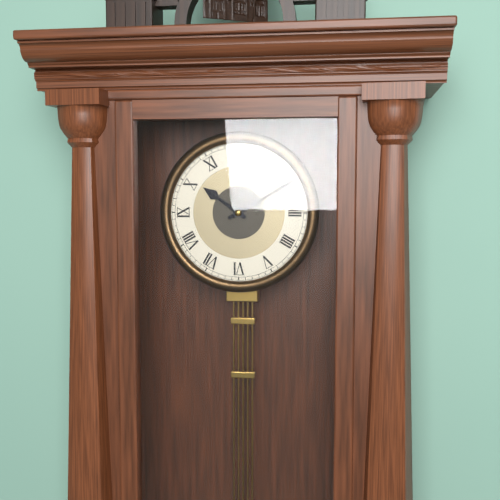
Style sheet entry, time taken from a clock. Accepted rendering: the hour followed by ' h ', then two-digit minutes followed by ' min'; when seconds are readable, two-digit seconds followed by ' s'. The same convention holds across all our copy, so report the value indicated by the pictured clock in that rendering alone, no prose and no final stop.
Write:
10 h 10 min
